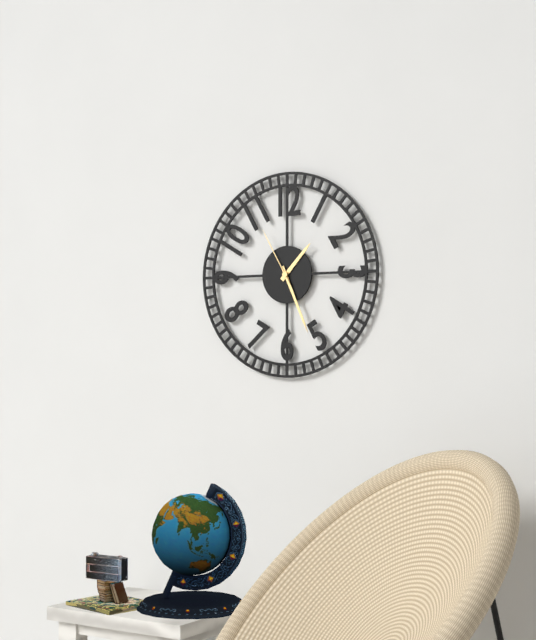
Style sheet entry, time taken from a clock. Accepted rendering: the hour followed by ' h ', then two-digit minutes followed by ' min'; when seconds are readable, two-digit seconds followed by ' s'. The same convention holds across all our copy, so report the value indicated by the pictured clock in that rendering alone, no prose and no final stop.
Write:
1 h 26 min 55 s
